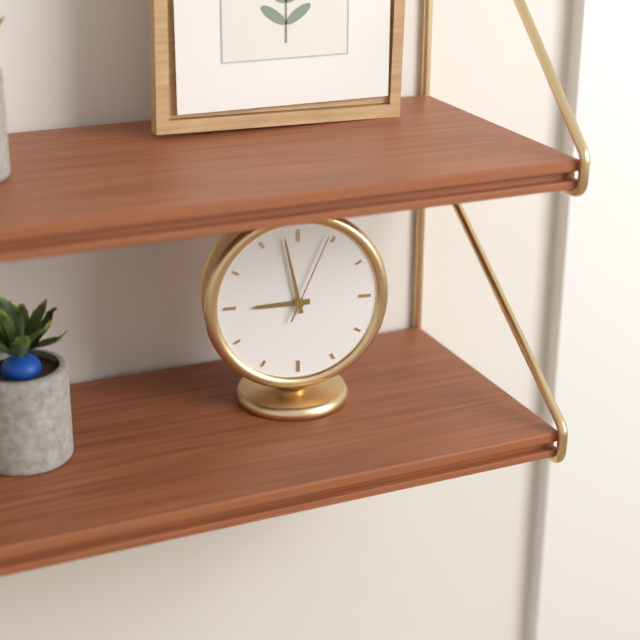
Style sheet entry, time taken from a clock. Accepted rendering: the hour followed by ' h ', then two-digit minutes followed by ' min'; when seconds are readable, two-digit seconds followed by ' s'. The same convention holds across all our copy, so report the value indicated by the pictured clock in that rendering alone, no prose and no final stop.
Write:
8 h 58 min 04 s
